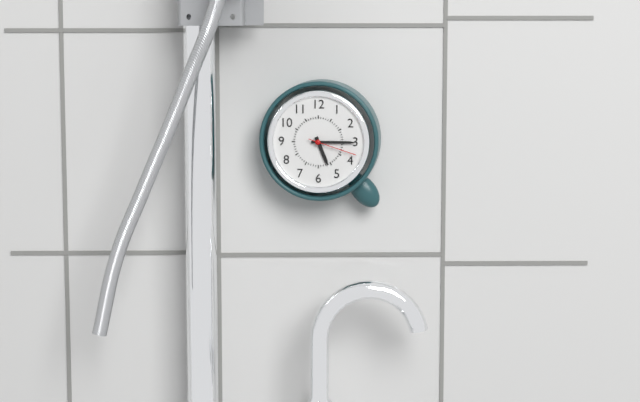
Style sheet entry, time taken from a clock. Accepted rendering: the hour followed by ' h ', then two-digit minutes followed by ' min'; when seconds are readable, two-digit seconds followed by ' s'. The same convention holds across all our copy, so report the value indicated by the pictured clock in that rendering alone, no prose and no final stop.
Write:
5 h 15 min 18 s
